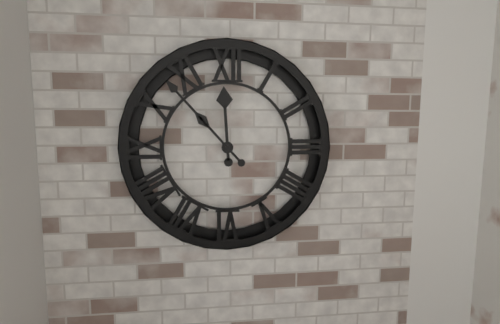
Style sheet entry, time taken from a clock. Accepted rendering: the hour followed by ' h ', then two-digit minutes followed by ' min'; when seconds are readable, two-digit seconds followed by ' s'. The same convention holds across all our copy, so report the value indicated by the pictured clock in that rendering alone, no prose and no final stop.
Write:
11 h 53 min
